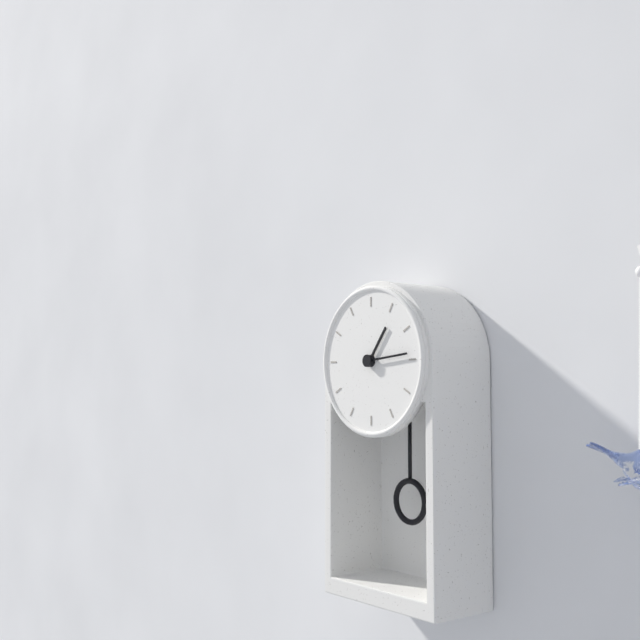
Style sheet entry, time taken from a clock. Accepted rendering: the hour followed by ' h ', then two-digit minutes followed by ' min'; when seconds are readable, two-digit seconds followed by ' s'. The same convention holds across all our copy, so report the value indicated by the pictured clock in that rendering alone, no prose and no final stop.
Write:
1 h 14 min
